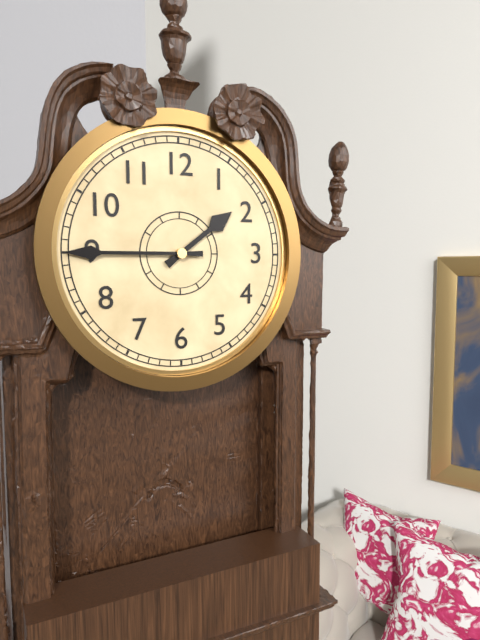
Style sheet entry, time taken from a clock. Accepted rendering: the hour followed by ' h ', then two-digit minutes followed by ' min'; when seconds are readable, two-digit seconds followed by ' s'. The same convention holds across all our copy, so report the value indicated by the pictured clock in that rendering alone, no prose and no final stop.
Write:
1 h 45 min
